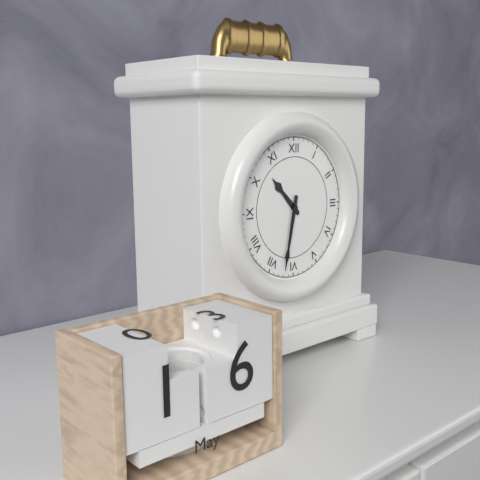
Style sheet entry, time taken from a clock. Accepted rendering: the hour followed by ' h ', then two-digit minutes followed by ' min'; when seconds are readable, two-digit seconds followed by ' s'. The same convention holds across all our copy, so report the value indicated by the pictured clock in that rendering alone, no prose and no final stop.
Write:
10 h 32 min
